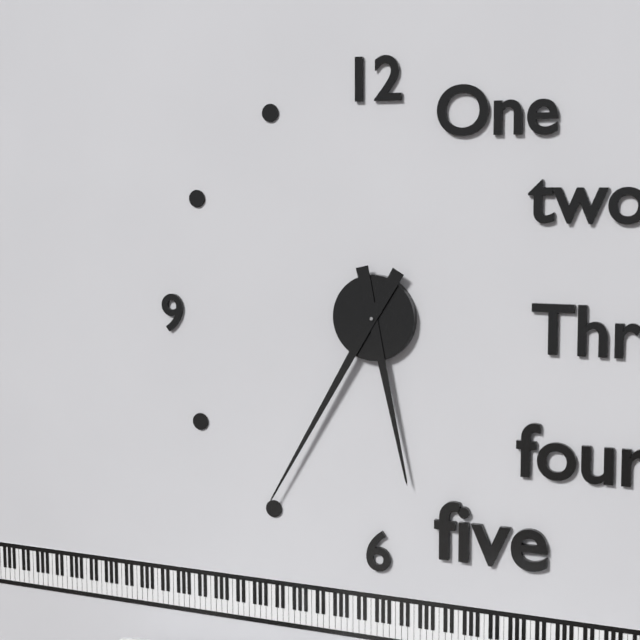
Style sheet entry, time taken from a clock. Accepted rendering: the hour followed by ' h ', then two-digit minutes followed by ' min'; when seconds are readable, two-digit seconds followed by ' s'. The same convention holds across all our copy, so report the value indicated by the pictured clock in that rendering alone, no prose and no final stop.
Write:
5 h 35 min
